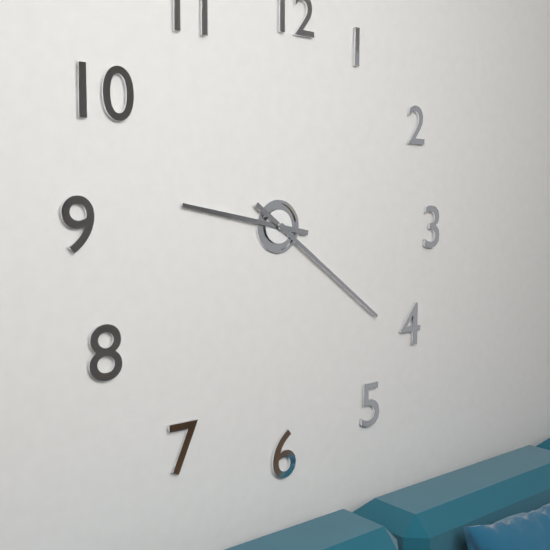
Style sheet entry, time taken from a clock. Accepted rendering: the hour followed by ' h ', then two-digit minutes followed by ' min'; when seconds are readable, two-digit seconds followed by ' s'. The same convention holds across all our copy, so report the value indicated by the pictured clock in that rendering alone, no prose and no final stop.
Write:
9 h 21 min
